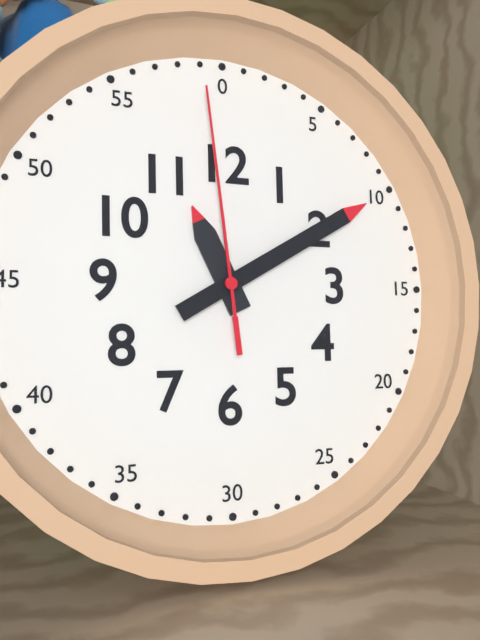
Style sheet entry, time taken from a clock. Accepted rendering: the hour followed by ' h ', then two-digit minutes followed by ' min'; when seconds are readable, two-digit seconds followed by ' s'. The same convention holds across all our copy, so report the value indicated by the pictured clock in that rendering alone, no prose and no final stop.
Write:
11 h 10 min 59 s
